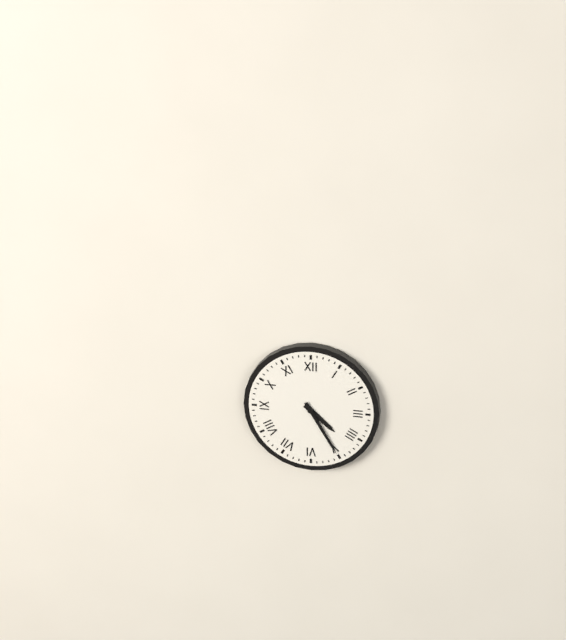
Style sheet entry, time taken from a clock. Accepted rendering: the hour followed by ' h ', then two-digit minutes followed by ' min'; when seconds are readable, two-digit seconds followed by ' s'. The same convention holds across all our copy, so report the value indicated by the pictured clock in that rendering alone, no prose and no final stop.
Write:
4 h 25 min
